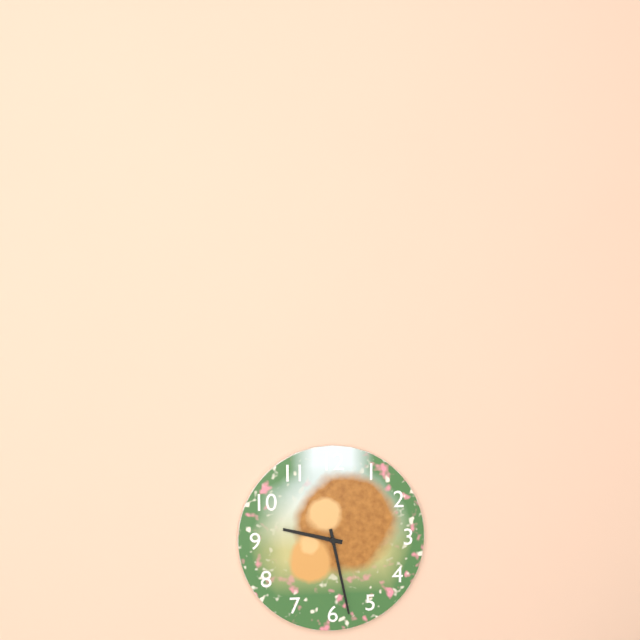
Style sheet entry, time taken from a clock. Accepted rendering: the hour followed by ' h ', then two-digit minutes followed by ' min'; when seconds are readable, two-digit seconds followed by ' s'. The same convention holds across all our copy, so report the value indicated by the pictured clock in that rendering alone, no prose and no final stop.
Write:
9 h 28 min
